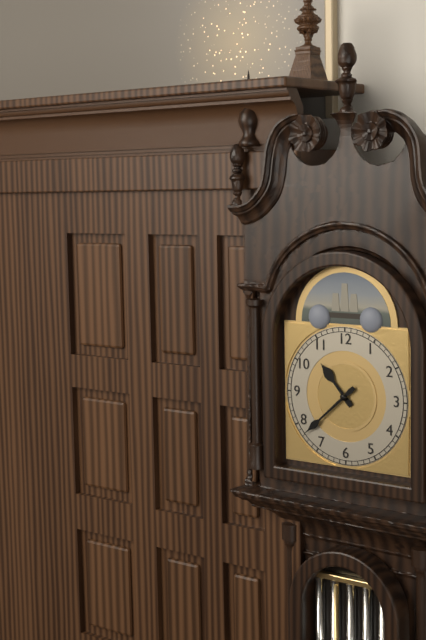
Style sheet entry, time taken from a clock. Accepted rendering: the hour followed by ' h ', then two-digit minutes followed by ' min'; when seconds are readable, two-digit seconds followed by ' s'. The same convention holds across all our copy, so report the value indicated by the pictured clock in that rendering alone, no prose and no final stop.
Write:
10 h 38 min
